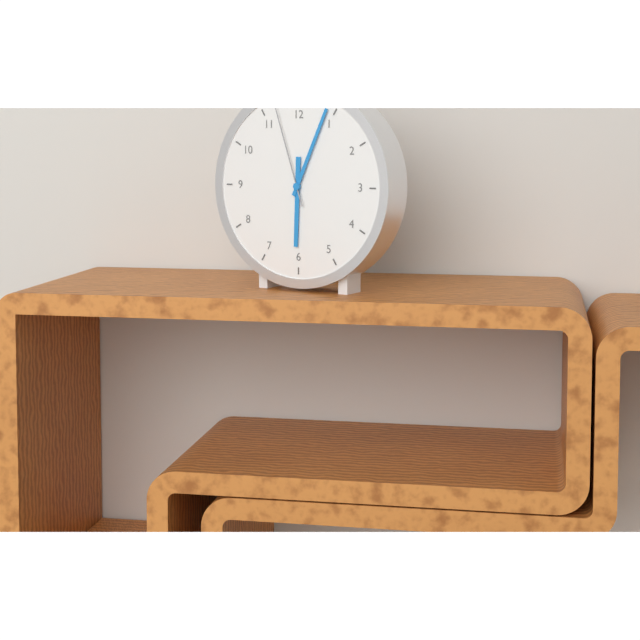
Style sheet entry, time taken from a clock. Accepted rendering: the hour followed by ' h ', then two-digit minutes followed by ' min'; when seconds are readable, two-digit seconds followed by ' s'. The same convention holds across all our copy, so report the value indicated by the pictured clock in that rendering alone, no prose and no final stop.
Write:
6 h 04 min 57 s
